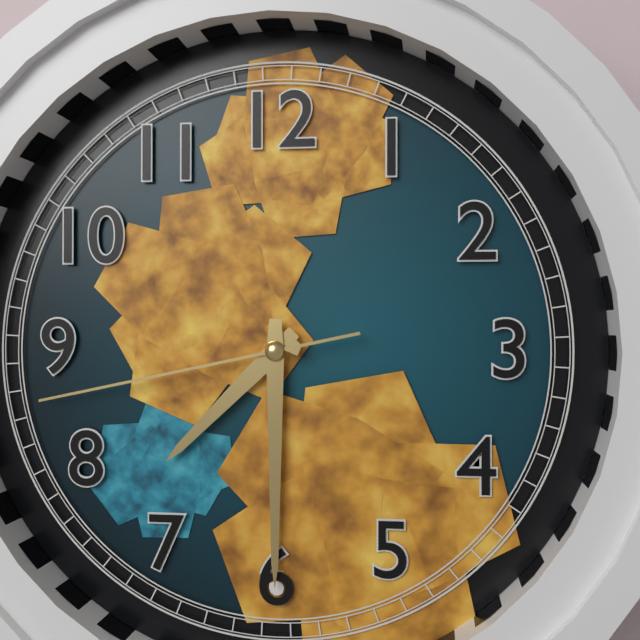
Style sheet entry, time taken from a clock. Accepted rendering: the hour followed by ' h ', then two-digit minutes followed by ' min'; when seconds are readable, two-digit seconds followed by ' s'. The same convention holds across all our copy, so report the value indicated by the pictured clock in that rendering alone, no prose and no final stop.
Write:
7 h 30 min 43 s
